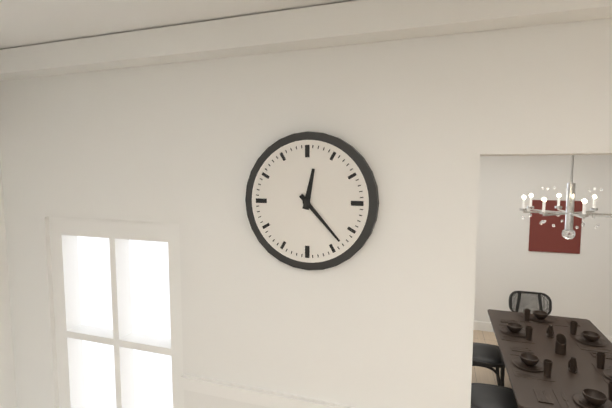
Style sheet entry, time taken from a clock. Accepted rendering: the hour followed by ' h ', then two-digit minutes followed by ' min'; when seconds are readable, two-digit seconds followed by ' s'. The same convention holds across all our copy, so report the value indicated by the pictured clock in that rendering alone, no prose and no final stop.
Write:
12 h 23 min
